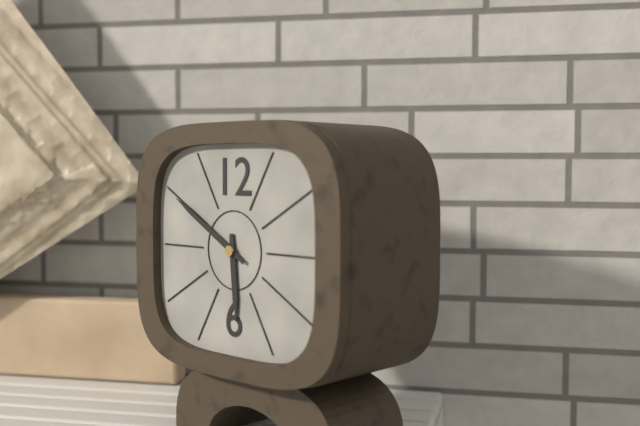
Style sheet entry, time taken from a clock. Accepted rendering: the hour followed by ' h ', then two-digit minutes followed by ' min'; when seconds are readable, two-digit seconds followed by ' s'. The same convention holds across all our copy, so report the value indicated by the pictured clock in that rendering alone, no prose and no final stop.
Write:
5 h 50 min
